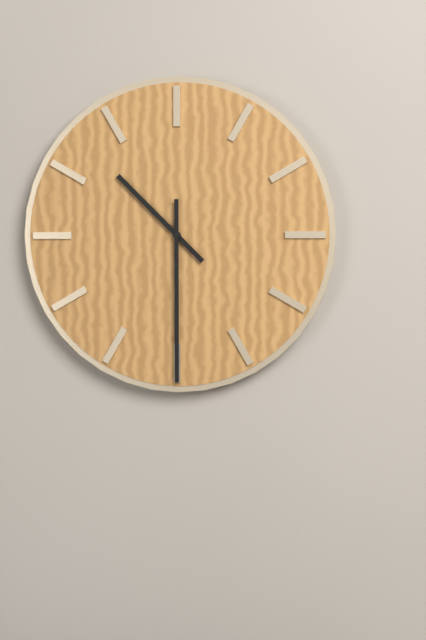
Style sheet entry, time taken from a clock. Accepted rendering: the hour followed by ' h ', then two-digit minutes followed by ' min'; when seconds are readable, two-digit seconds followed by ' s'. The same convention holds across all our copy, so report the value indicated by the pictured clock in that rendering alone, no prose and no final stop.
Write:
10 h 30 min
